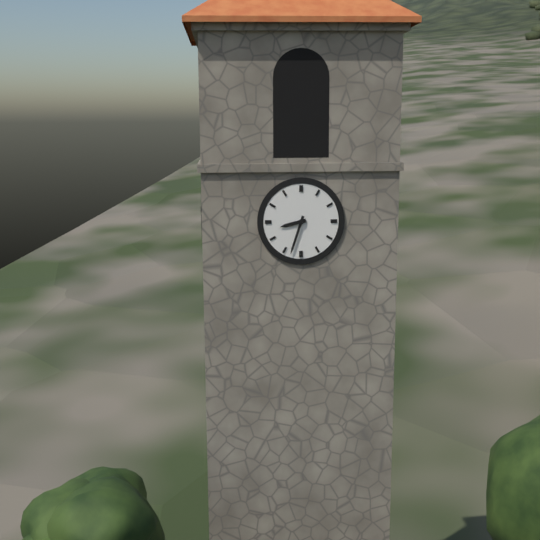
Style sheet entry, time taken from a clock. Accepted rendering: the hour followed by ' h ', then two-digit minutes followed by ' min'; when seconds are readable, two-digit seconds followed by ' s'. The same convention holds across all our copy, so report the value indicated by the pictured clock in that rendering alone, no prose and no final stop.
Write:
8 h 33 min
